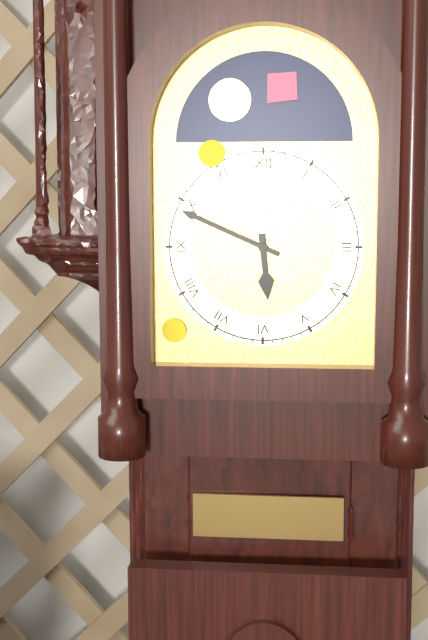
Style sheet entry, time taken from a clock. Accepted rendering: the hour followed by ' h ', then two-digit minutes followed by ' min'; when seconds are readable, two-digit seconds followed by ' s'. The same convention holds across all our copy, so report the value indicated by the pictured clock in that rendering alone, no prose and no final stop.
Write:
5 h 49 min
